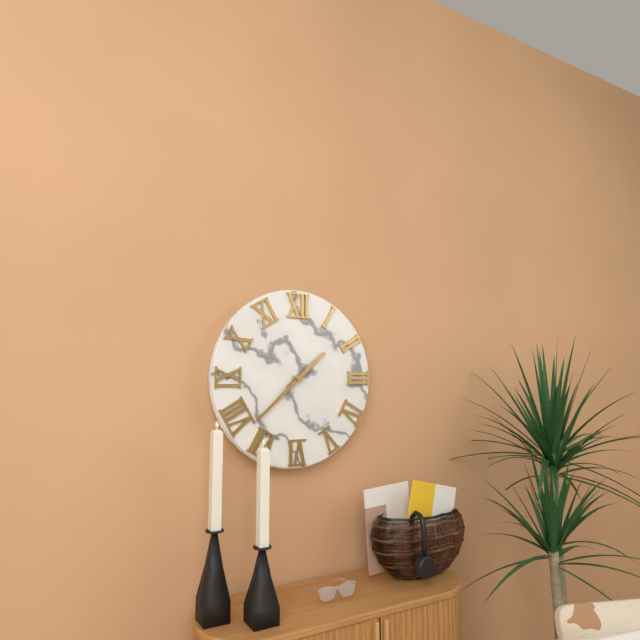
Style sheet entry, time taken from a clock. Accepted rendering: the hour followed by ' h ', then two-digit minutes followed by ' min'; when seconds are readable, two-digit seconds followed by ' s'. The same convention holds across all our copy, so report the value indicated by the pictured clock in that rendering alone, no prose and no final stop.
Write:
1 h 38 min
